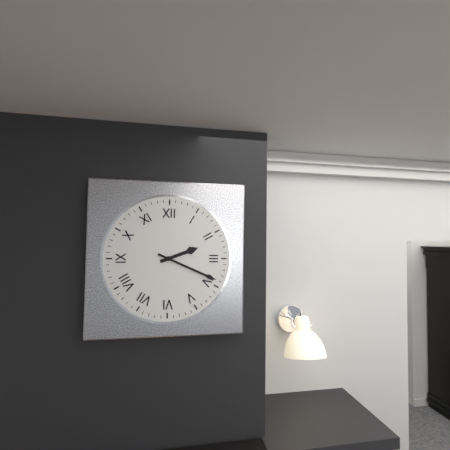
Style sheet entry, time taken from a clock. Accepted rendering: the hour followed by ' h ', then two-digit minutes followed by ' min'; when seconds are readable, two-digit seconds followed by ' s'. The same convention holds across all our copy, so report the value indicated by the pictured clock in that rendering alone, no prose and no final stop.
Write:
2 h 19 min
